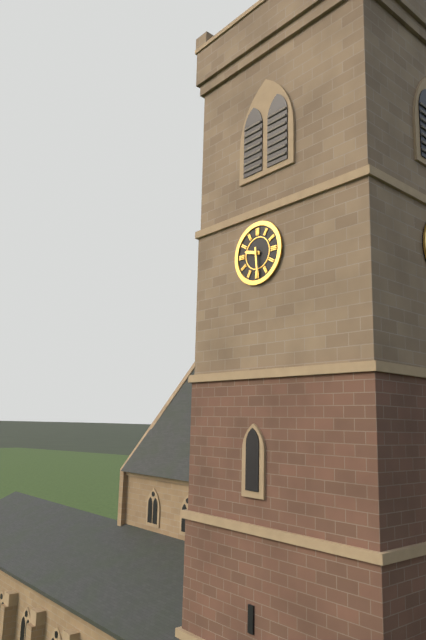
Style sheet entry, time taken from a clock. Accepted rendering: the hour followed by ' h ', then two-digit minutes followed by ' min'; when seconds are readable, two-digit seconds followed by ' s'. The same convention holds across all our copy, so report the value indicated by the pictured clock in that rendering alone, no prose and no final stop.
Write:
9 h 29 min
